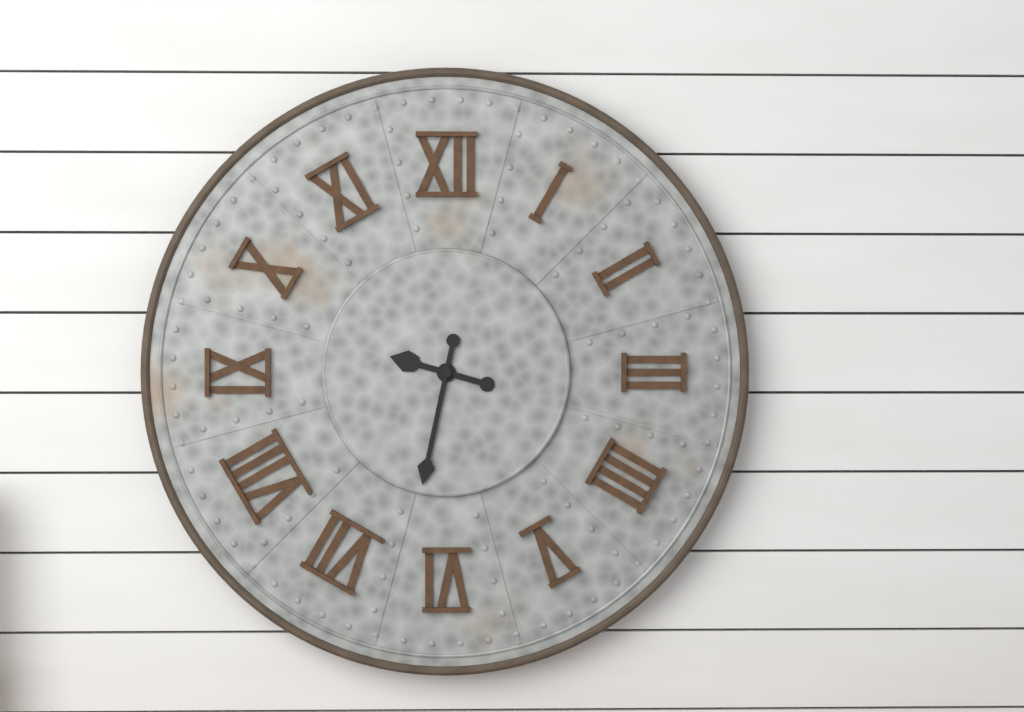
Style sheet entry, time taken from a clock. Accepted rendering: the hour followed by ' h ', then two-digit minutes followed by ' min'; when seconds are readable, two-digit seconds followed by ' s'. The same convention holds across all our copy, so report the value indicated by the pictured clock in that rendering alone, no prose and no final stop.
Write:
9 h 32 min
